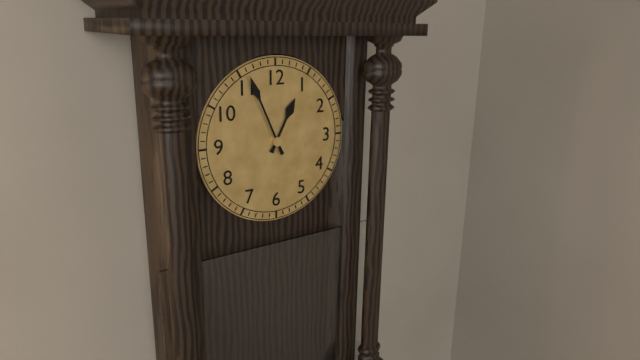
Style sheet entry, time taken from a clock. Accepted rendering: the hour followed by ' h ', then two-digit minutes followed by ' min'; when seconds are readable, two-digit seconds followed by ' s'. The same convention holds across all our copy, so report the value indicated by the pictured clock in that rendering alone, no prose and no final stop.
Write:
12 h 56 min
